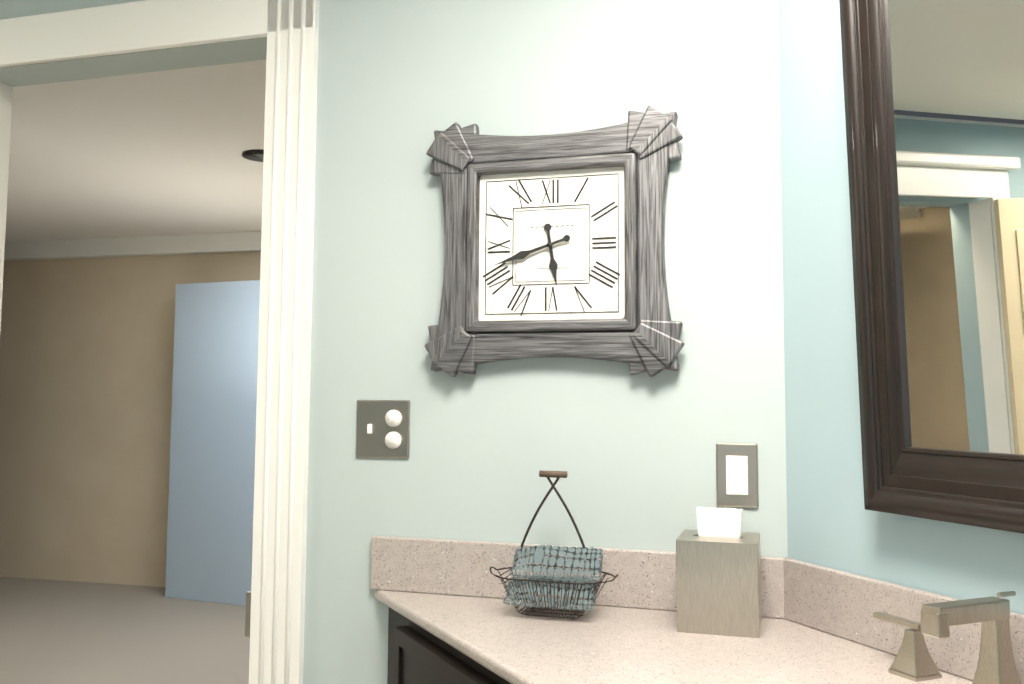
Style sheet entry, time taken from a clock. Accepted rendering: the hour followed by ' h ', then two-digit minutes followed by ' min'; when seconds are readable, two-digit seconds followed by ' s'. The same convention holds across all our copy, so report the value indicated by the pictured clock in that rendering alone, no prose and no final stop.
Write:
5 h 42 min
